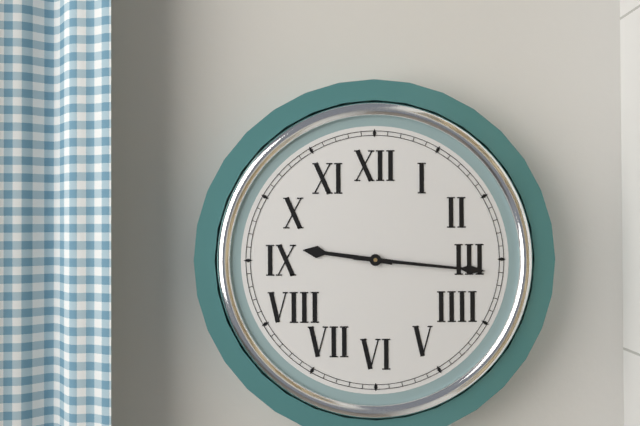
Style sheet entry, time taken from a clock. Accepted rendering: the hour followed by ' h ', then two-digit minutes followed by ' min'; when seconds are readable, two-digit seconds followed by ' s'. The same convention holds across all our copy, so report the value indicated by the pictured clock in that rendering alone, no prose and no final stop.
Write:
9 h 16 min
